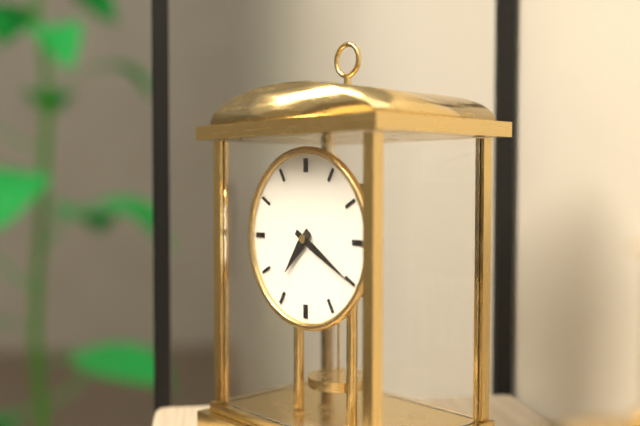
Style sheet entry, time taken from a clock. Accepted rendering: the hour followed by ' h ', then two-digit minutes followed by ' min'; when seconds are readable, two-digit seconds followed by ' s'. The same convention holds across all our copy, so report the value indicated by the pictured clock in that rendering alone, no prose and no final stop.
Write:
7 h 20 min
